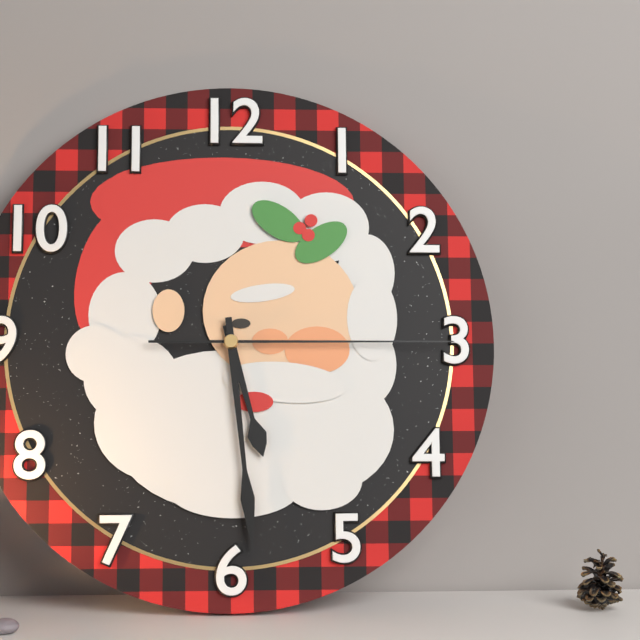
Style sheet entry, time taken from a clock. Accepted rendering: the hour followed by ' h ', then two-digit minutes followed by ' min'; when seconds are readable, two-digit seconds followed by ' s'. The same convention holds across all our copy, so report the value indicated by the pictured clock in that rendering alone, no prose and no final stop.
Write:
5 h 29 min 15 s
